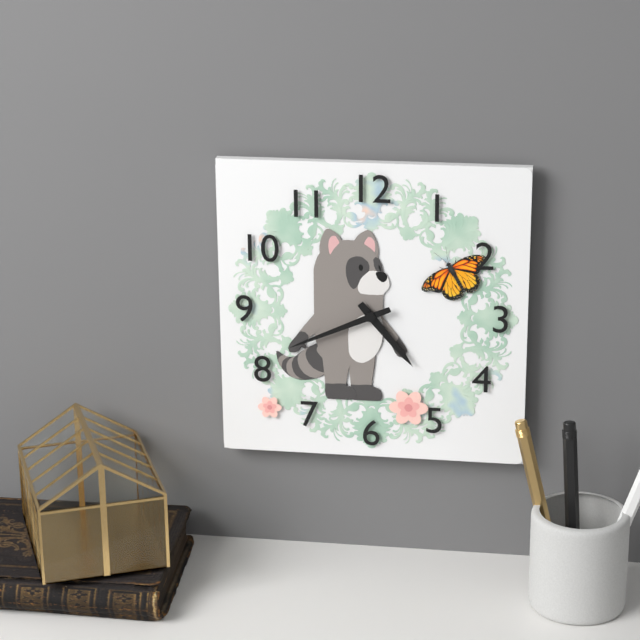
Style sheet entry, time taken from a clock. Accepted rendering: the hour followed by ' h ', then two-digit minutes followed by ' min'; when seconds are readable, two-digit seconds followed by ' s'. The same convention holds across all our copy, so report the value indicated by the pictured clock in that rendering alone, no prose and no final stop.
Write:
4 h 41 min
